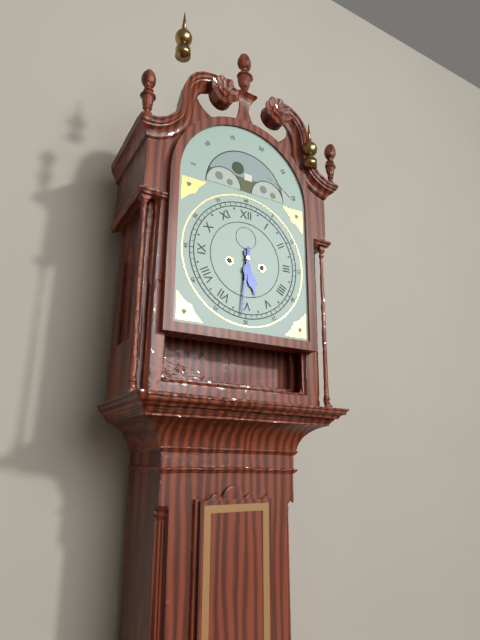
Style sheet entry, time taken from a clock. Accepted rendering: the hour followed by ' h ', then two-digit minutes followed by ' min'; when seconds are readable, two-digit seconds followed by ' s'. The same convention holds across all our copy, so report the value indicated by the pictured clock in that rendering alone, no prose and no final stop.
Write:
5 h 31 min
